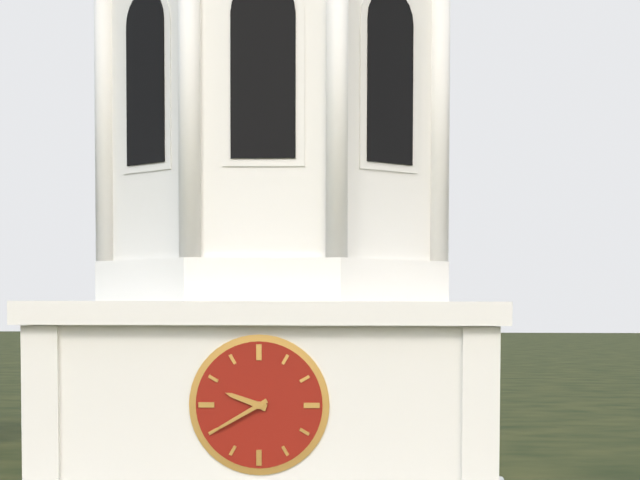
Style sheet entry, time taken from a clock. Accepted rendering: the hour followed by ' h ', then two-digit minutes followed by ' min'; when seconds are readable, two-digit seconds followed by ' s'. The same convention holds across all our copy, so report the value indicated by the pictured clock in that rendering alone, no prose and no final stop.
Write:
9 h 40 min
